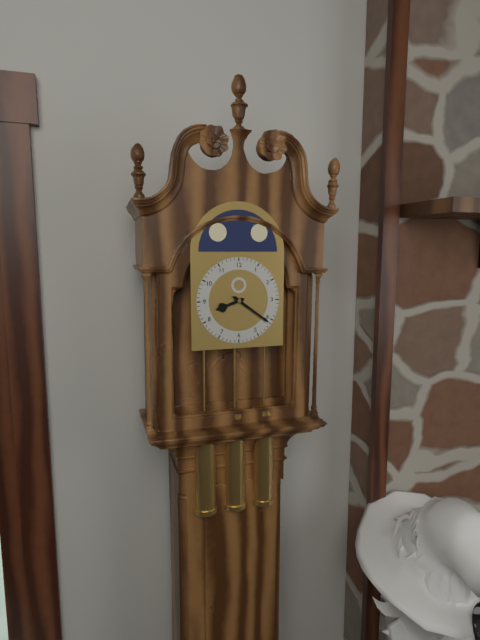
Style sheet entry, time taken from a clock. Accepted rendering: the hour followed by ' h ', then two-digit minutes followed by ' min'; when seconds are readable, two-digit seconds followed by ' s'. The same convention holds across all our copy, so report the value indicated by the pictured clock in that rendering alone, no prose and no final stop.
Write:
8 h 21 min
